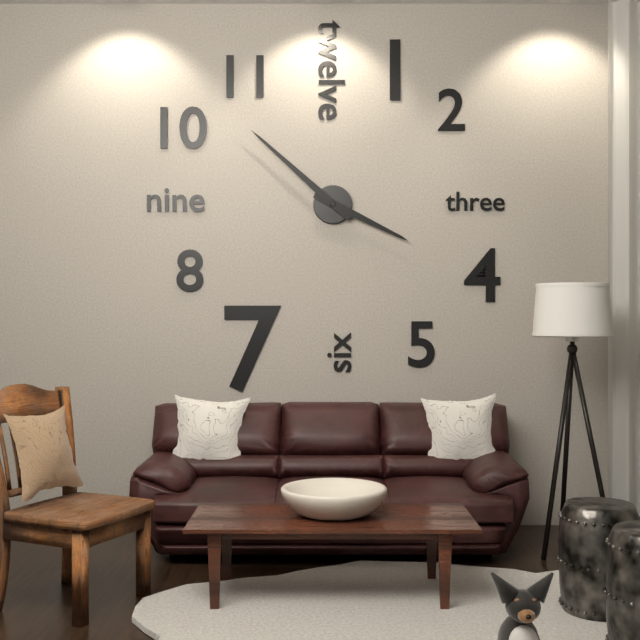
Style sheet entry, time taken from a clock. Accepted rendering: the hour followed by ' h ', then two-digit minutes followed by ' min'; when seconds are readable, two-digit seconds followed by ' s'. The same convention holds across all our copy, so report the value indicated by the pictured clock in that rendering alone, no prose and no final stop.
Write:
3 h 52 min
